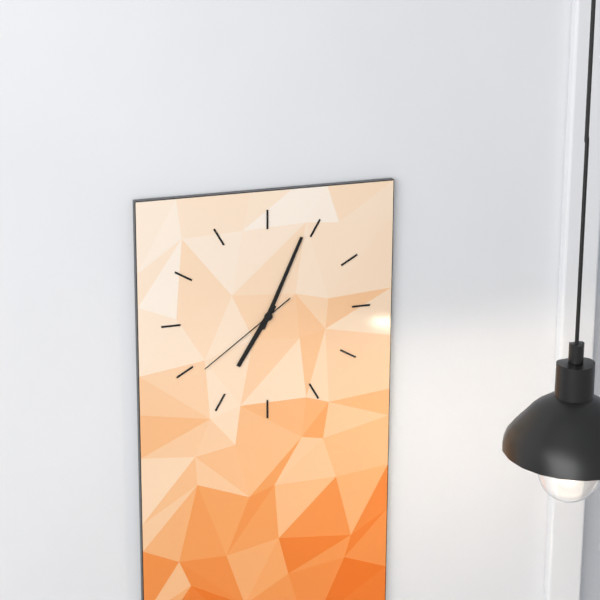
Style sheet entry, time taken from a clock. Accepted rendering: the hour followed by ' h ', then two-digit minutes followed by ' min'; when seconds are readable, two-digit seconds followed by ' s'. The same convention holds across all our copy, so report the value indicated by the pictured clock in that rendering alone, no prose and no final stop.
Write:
7 h 04 min 39 s
